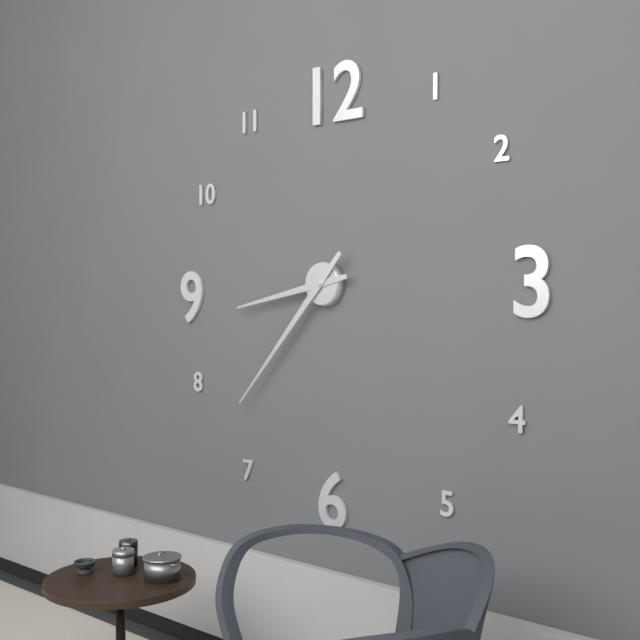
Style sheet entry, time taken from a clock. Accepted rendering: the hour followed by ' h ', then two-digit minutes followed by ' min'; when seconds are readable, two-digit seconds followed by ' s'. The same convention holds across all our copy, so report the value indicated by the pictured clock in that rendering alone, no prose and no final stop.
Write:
8 h 37 min
